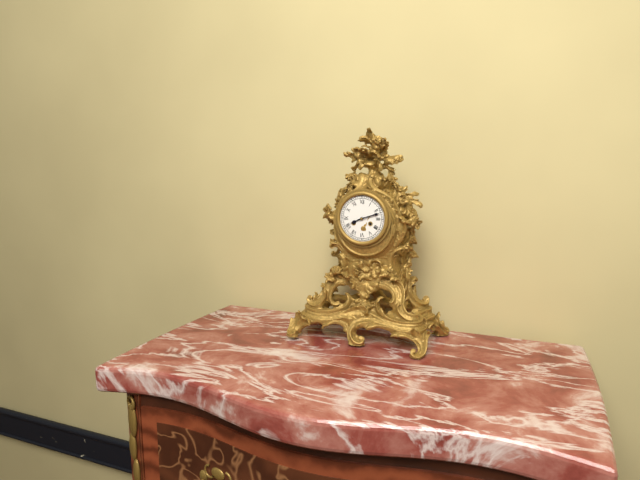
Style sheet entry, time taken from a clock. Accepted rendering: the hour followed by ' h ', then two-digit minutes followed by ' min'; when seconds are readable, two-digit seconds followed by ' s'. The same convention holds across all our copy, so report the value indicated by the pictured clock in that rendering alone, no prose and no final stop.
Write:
8 h 12 min
